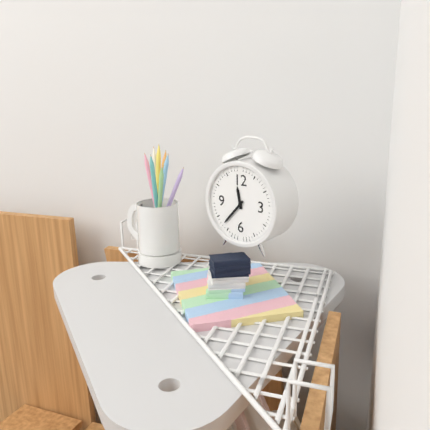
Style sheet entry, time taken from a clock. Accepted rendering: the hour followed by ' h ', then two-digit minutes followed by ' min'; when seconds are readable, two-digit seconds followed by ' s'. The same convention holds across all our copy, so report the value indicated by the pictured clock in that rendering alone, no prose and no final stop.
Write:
11 h 37 min
